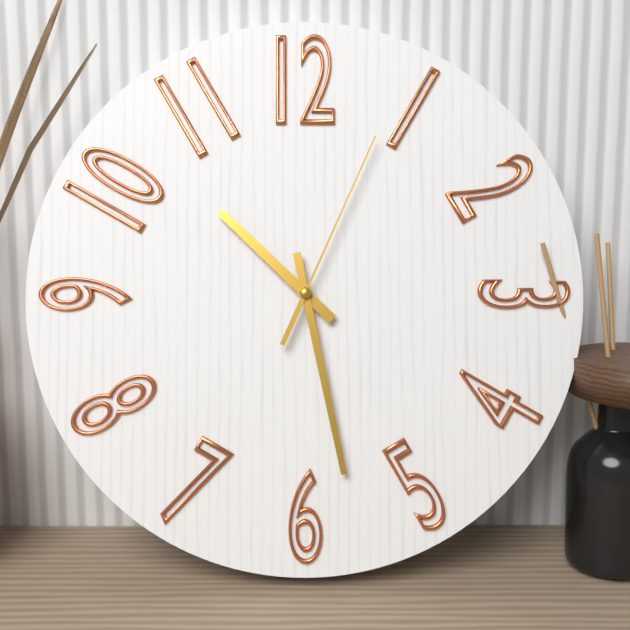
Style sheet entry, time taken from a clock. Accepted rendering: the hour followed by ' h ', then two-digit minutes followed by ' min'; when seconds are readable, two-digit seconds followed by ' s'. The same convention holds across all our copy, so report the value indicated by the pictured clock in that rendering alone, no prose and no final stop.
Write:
10 h 28 min 04 s
